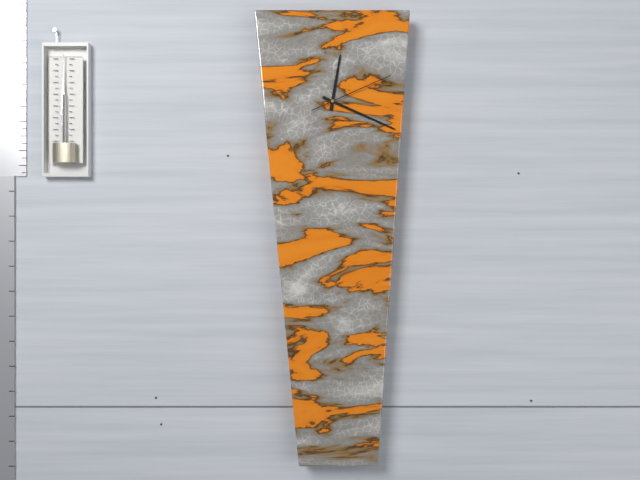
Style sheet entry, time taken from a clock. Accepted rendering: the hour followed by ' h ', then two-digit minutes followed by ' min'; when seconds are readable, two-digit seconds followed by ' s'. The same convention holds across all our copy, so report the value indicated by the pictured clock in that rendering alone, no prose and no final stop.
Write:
12 h 19 min 11 s
